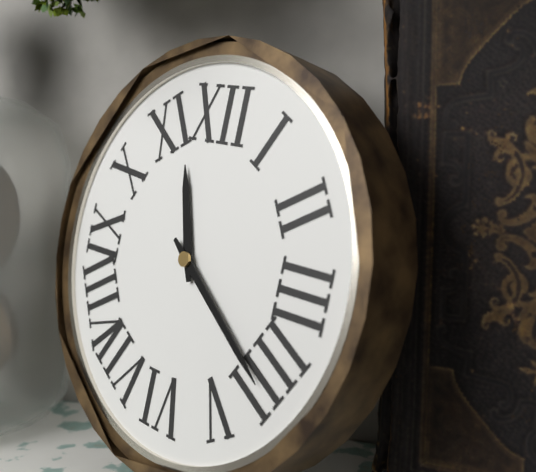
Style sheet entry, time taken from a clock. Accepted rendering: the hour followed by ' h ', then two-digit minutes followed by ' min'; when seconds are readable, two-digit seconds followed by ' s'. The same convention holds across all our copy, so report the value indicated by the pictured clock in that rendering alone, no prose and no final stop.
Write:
11 h 21 min
